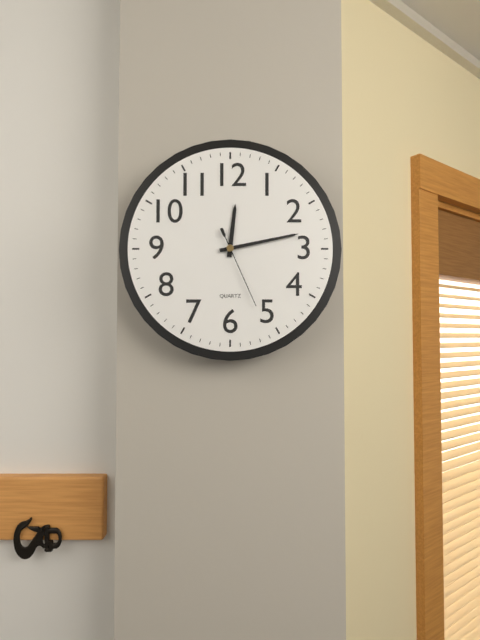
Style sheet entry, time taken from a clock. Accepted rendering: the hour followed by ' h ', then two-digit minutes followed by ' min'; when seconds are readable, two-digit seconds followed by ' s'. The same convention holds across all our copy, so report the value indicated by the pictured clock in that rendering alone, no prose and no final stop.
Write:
12 h 13 min 26 s
